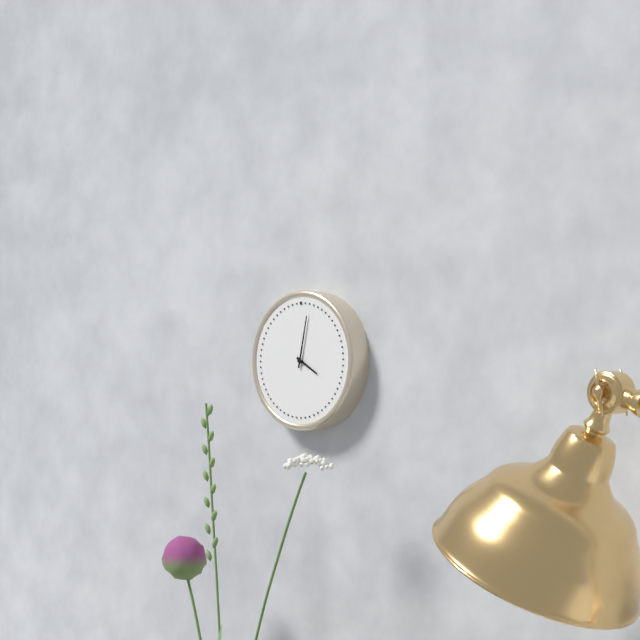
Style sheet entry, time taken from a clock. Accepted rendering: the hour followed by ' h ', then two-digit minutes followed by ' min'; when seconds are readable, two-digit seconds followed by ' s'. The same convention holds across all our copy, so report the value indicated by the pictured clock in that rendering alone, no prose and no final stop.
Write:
4 h 02 min
